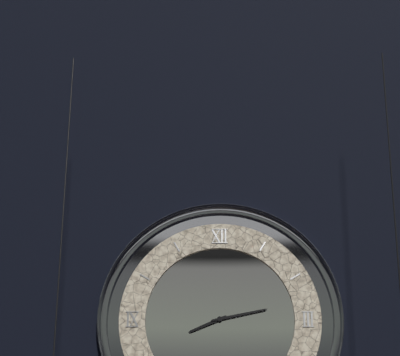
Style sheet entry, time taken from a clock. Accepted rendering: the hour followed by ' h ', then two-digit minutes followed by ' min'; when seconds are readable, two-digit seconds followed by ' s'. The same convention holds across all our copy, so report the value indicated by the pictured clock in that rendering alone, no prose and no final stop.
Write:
8 h 13 min
